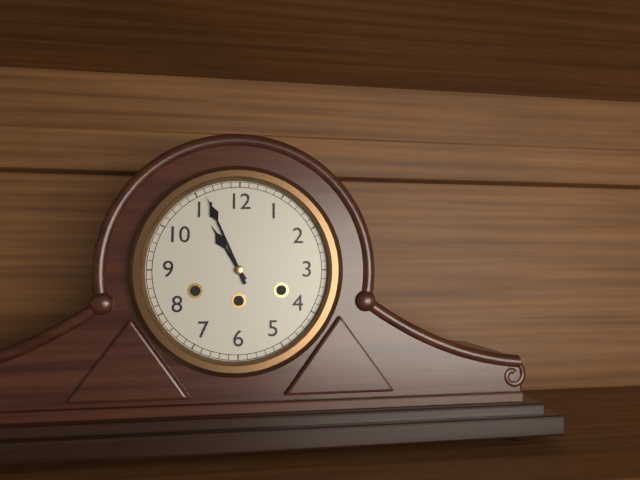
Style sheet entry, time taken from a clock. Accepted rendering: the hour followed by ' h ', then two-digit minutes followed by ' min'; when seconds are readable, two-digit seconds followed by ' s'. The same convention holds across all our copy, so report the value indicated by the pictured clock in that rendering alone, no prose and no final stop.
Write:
10 h 56 min
